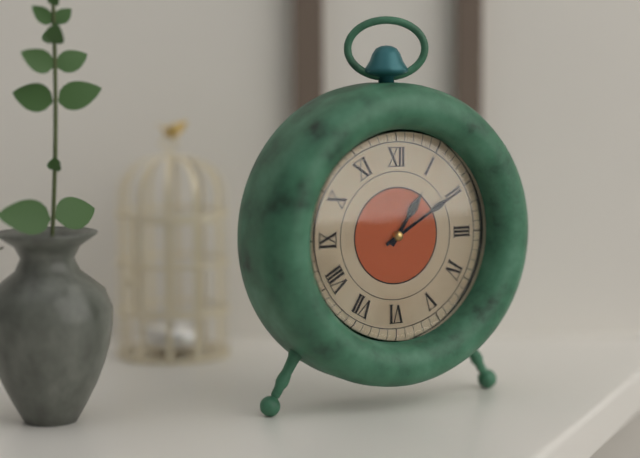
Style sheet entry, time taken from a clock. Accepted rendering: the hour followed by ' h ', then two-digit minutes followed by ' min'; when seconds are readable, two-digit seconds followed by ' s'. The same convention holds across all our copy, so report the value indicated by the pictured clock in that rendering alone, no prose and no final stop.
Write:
1 h 10 min
